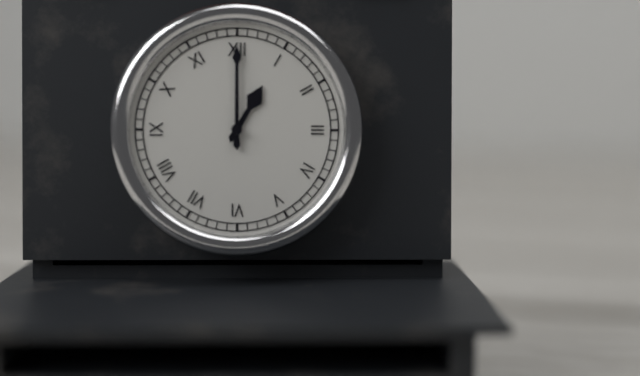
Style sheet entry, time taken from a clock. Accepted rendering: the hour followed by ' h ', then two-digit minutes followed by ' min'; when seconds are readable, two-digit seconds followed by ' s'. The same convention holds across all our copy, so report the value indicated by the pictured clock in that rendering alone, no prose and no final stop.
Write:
1 h 00 min
